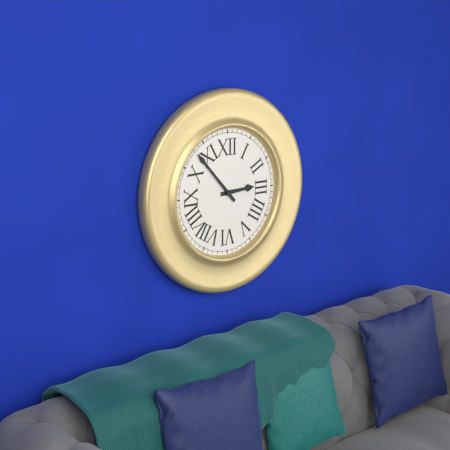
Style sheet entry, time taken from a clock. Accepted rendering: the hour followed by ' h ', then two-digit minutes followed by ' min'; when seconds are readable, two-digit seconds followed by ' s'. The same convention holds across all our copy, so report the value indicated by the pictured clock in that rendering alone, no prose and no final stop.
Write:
2 h 53 min
